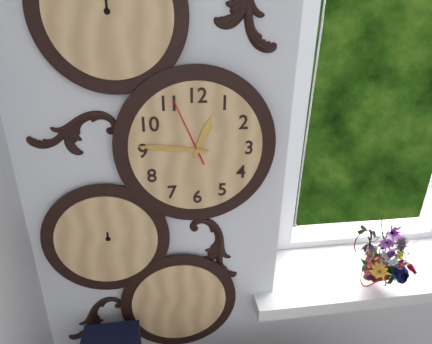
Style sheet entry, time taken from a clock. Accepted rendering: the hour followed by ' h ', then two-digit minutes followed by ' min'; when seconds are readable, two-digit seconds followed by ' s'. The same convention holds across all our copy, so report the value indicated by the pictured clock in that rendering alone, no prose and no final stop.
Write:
12 h 46 min 56 s
